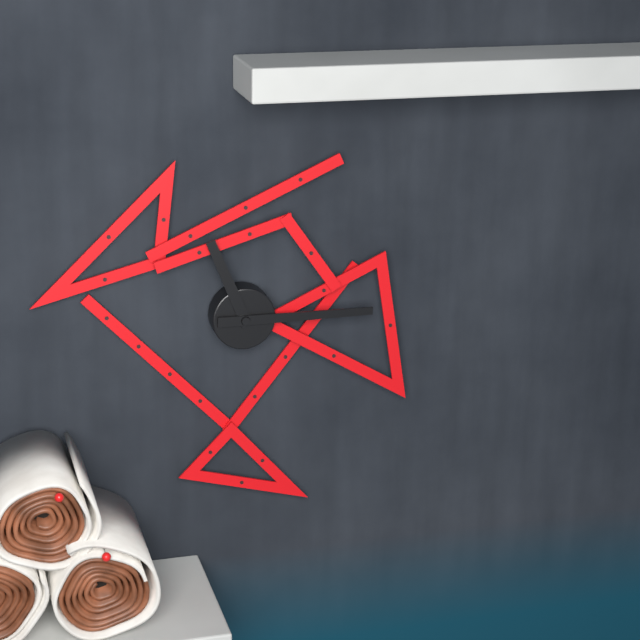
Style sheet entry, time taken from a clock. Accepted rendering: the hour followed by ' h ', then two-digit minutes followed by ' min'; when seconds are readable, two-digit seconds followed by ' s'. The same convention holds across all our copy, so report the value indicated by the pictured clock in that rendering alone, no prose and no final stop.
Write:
11 h 15 min
